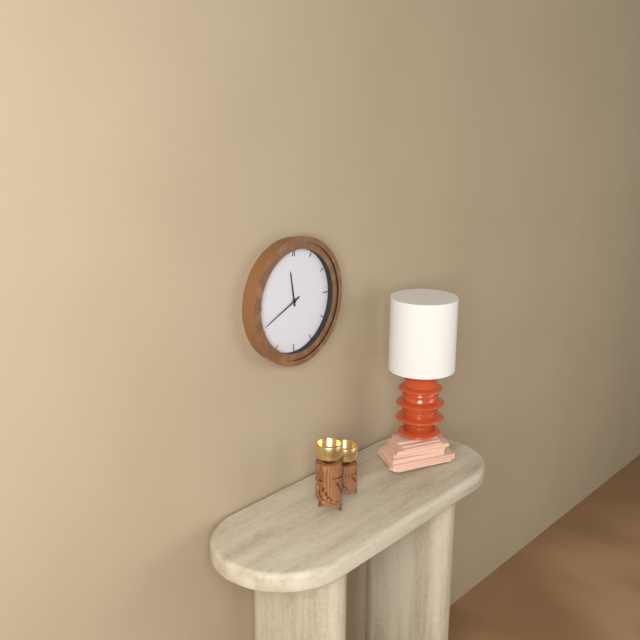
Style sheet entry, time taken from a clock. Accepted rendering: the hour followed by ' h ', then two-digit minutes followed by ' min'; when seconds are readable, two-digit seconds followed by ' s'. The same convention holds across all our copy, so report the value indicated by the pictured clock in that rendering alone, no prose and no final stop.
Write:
11 h 41 min
